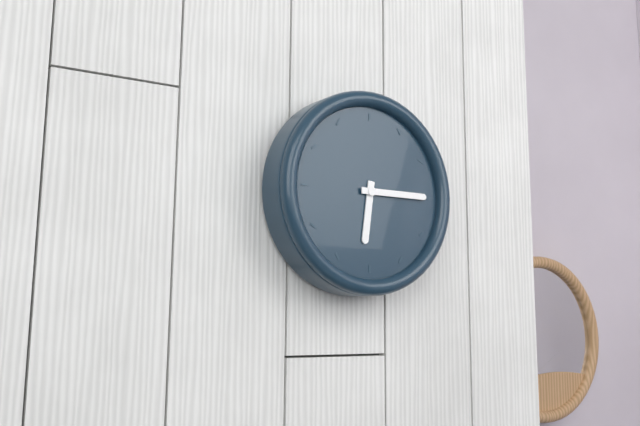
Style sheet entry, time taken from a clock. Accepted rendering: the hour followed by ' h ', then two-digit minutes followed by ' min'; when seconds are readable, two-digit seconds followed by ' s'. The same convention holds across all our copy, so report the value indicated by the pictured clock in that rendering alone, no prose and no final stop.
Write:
6 h 15 min
